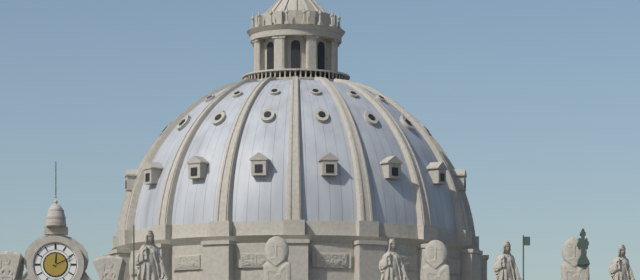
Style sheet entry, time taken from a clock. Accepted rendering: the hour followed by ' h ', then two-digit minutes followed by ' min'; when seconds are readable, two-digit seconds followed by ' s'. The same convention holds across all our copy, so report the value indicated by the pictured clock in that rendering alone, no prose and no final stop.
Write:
12 h 11 min
